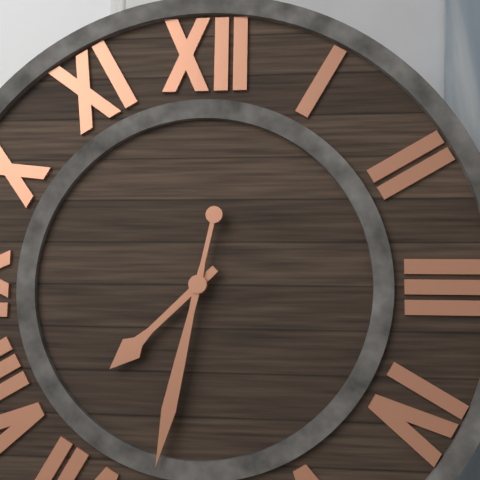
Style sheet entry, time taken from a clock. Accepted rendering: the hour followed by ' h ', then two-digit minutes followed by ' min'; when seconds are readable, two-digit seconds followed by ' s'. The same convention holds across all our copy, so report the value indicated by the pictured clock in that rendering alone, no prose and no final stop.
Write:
7 h 32 min
